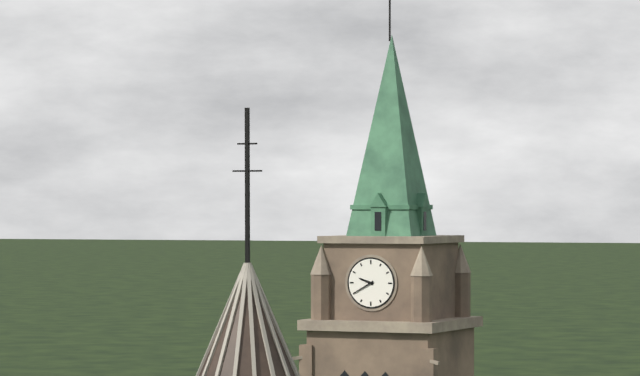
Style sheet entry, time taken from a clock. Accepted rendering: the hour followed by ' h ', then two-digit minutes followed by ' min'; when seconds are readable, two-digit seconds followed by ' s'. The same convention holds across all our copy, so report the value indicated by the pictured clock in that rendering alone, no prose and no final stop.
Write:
9 h 40 min
